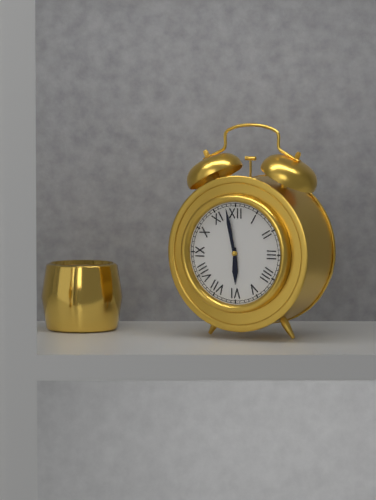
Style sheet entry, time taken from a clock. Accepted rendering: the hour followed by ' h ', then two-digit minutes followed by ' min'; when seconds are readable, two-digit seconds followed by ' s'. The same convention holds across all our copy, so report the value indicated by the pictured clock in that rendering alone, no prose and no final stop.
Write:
5 h 58 min
